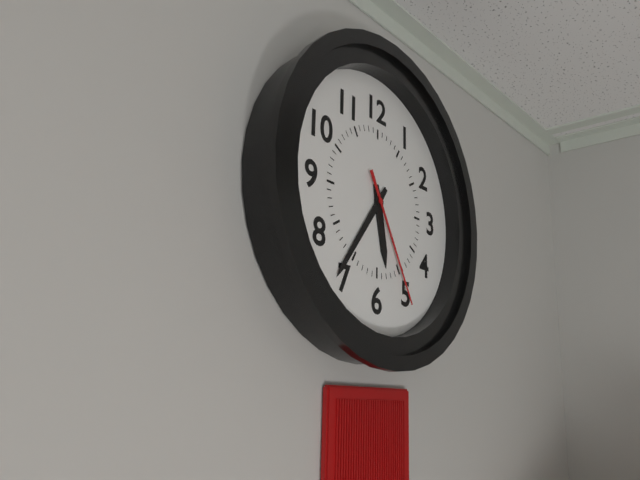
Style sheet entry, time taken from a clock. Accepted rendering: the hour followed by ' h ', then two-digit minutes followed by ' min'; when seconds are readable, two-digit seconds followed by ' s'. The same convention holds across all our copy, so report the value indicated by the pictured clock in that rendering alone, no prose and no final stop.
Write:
5 h 36 min 25 s
